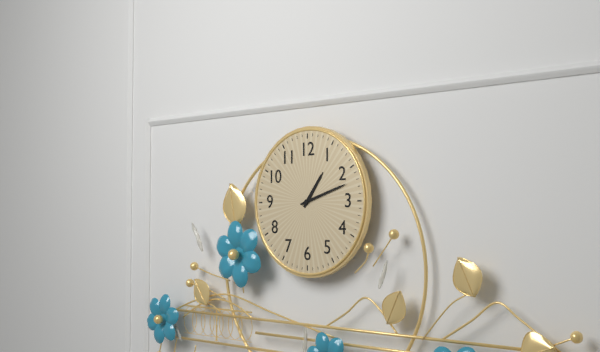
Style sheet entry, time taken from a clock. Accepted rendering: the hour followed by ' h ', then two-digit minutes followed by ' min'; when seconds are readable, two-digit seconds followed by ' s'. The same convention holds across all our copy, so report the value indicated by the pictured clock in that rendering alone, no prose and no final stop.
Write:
1 h 12 min
